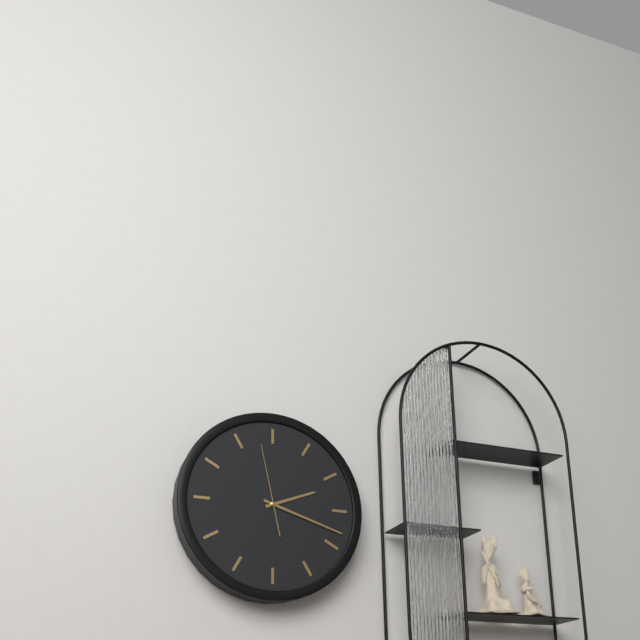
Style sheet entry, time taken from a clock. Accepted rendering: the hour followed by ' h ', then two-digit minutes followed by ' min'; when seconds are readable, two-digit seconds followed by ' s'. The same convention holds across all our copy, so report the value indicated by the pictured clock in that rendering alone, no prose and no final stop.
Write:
2 h 18 min 58 s
